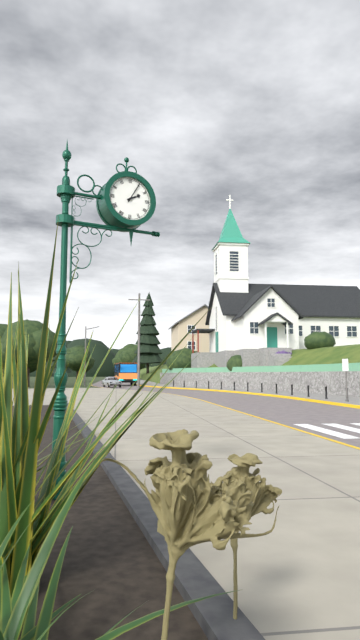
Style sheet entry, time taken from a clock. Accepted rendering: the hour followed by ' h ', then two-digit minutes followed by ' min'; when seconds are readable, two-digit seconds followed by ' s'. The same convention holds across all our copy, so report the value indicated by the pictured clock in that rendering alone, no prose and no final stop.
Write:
2 h 05 min
